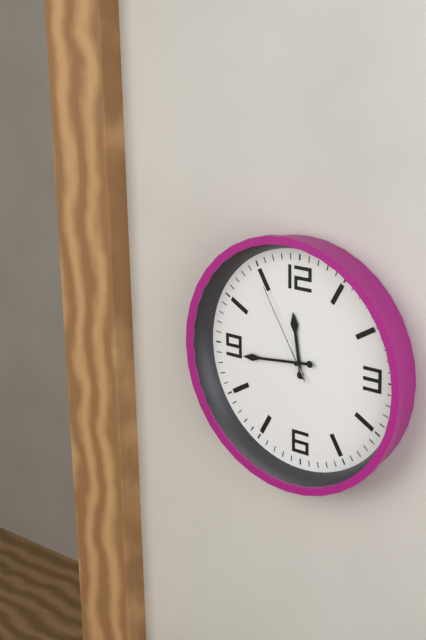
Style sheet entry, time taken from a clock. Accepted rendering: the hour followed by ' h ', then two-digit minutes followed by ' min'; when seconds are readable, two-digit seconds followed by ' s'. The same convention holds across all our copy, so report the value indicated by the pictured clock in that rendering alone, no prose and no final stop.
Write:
11 h 44 min 55 s
